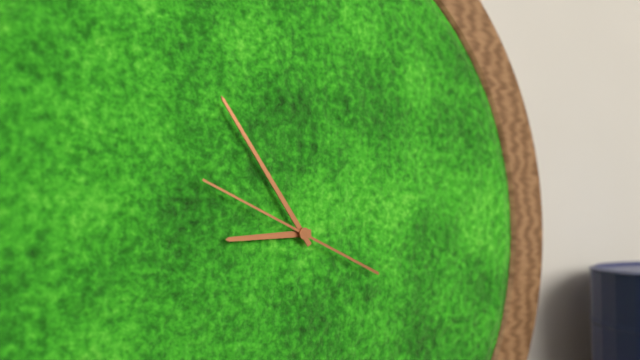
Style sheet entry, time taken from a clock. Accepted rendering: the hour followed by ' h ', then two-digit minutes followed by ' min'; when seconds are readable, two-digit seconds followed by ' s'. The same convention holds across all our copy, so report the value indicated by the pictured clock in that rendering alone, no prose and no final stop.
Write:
8 h 54 min 49 s
